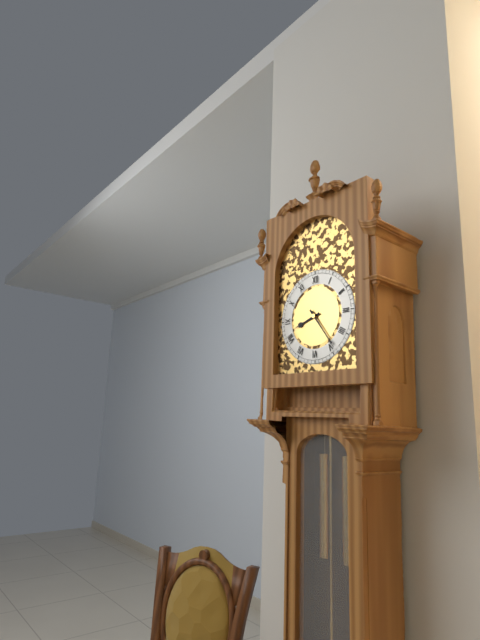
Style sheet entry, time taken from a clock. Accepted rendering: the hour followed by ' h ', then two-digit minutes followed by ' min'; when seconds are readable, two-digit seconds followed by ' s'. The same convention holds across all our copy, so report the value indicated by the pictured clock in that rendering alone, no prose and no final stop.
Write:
8 h 24 min
